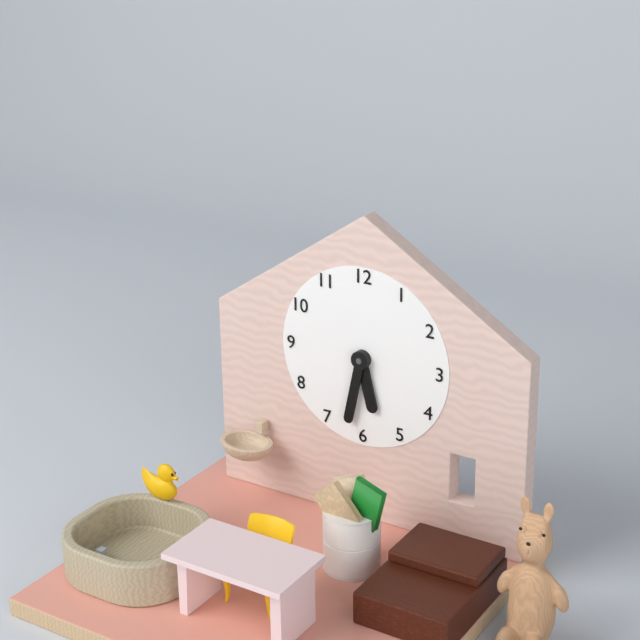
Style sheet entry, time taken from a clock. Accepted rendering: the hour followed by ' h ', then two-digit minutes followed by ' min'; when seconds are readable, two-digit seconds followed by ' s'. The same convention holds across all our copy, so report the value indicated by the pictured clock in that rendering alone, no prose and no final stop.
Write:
5 h 32 min
